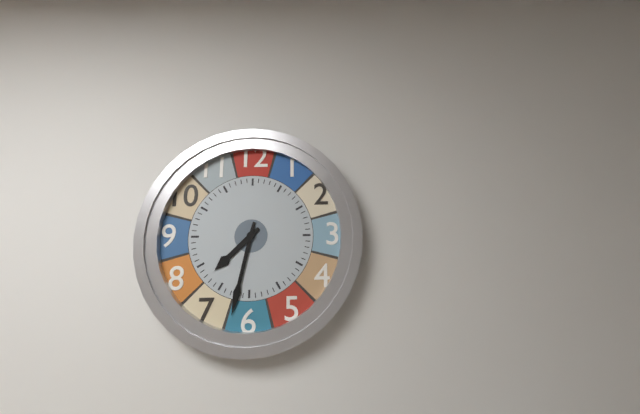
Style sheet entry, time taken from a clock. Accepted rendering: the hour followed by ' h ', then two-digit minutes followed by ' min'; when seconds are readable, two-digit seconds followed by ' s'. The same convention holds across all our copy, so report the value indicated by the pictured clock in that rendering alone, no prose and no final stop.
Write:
7 h 32 min
